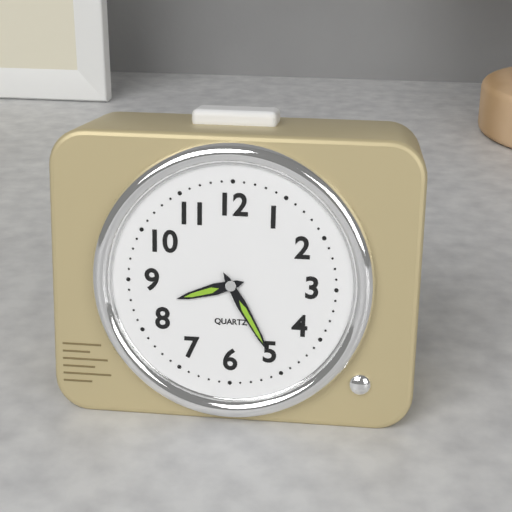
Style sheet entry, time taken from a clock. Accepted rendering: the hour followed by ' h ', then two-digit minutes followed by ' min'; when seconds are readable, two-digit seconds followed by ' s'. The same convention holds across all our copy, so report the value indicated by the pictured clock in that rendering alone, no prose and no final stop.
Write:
8 h 25 min
